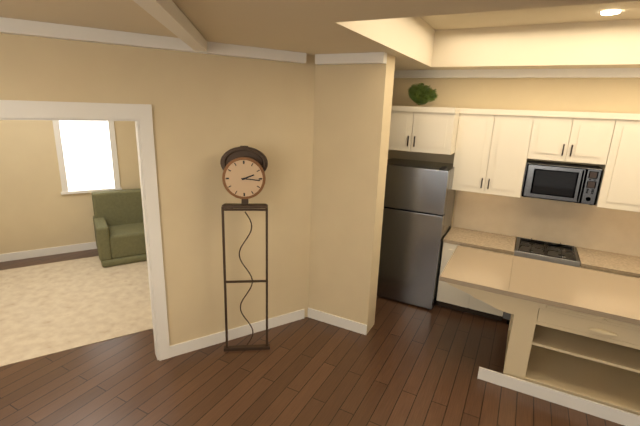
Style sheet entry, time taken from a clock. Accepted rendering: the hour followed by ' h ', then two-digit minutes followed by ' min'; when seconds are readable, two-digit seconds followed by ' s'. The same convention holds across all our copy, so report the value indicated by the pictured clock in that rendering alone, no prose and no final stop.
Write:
2 h 16 min
